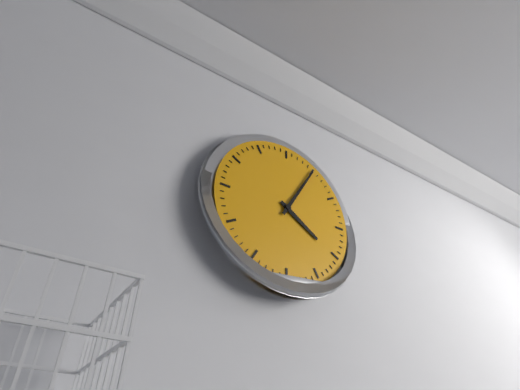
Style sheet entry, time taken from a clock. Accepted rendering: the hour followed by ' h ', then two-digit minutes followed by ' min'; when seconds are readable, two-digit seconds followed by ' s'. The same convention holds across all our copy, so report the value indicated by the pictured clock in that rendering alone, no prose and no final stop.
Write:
4 h 05 min
